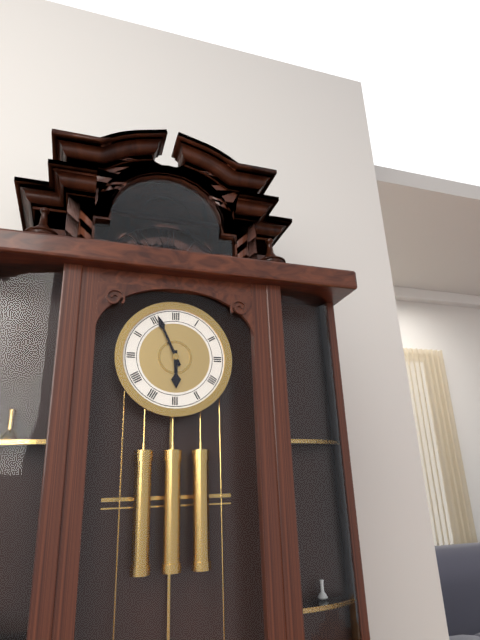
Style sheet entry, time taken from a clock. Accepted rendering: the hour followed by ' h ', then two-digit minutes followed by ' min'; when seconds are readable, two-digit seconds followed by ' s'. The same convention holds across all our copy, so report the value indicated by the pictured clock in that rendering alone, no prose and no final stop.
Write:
5 h 56 min
